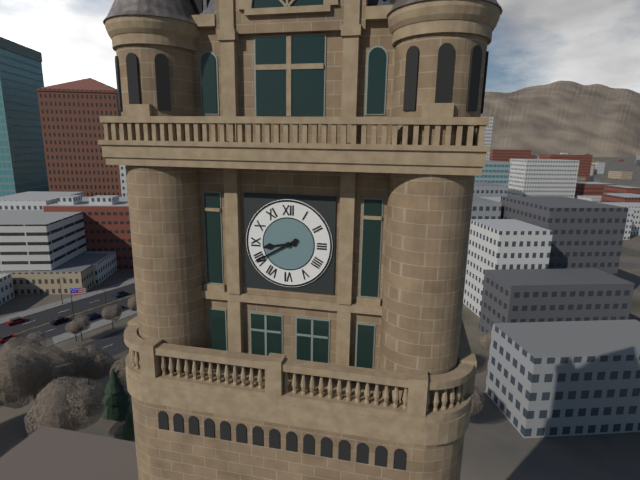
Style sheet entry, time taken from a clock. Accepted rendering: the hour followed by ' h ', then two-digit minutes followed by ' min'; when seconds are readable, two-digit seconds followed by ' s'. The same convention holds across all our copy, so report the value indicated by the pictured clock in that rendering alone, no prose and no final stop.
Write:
8 h 40 min
